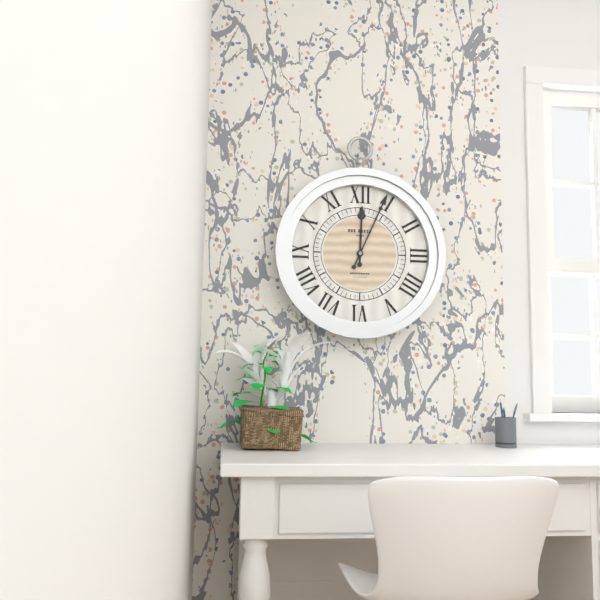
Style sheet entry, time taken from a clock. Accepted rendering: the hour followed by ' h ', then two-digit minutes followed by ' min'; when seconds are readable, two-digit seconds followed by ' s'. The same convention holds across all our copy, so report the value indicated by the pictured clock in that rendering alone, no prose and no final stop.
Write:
12 h 04 min
